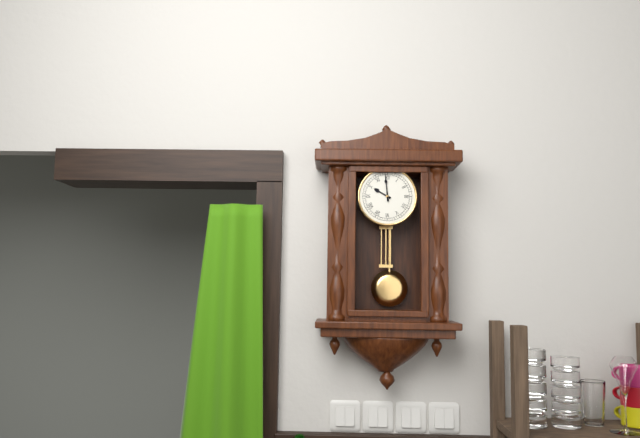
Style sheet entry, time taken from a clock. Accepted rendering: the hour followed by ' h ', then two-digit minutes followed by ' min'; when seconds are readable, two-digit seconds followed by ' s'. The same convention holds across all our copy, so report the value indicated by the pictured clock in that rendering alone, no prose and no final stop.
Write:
9 h 59 min
